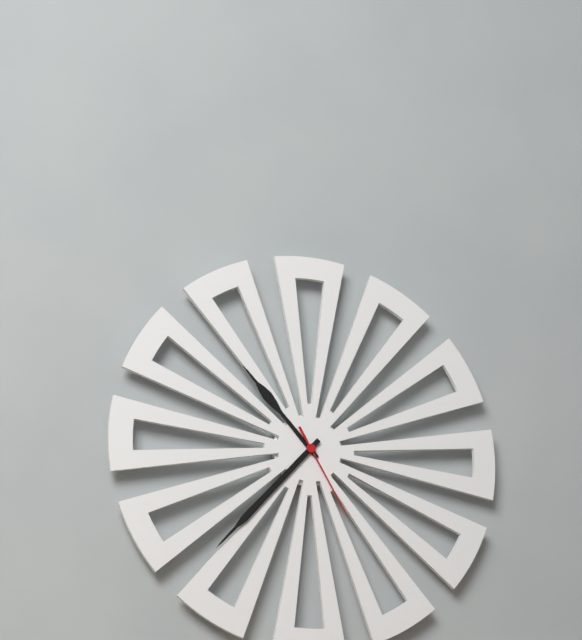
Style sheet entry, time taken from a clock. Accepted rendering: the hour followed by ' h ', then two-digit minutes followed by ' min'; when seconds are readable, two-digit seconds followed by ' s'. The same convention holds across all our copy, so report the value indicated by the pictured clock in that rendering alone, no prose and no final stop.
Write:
10 h 37 min 25 s
